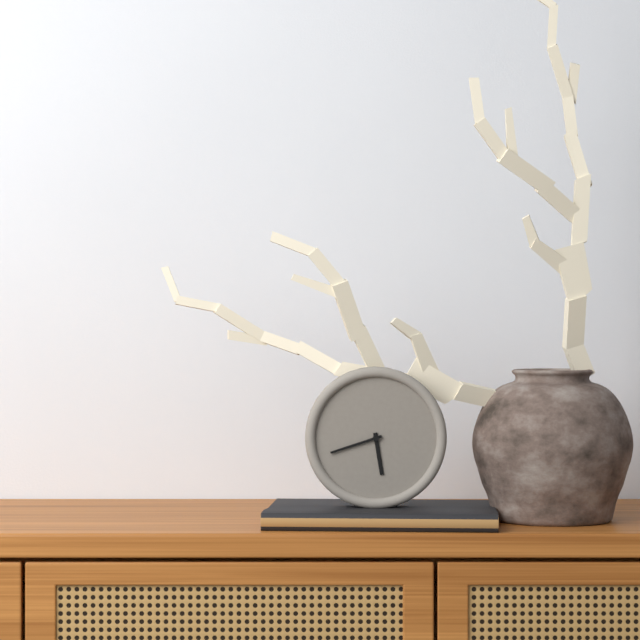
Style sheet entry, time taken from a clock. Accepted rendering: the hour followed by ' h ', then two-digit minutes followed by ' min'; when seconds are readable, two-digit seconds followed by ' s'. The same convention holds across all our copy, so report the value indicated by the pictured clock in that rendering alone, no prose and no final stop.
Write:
5 h 42 min
